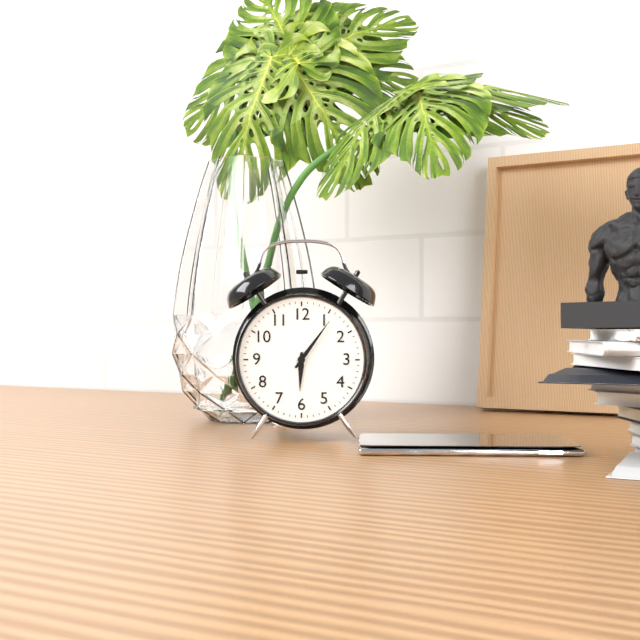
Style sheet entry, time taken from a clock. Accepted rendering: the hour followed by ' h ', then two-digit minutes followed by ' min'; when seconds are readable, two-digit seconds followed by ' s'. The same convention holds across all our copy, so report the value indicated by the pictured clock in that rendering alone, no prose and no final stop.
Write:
6 h 06 min
